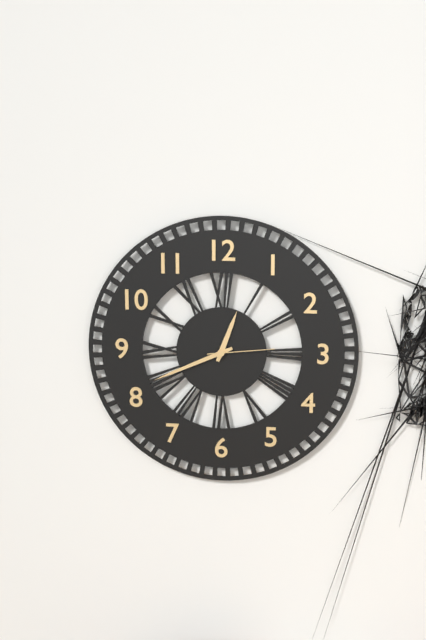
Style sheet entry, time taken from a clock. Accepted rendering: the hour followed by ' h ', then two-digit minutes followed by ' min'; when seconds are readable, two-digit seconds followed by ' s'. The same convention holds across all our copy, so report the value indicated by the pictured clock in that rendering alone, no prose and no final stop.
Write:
12 h 41 min 14 s
